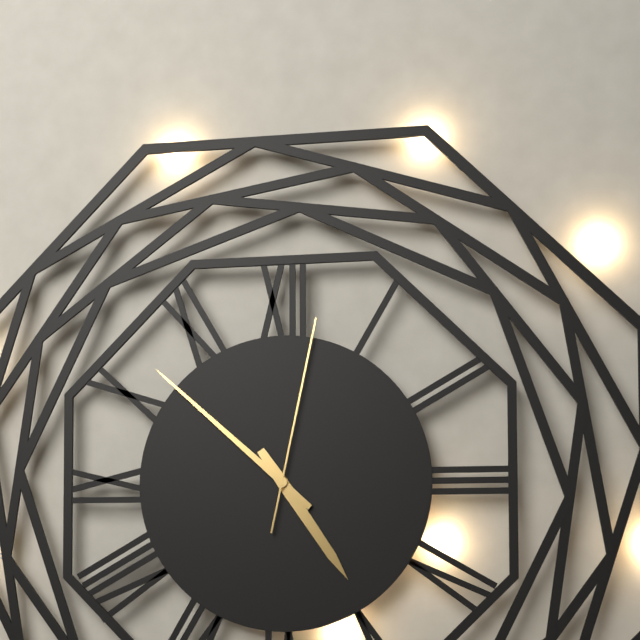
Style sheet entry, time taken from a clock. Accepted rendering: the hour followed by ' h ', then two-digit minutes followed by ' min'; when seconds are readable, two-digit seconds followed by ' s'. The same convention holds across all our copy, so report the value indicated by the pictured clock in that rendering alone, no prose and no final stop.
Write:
4 h 52 min 02 s
